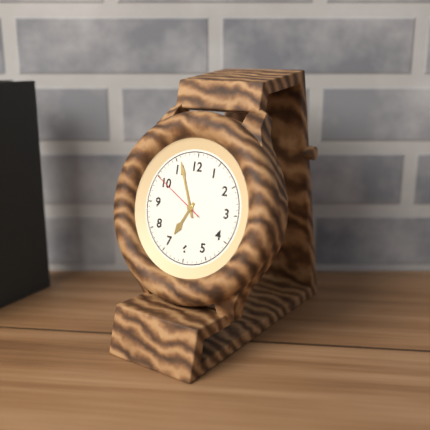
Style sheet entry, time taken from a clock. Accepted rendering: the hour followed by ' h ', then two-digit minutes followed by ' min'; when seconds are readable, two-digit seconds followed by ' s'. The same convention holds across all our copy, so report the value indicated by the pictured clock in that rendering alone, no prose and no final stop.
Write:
6 h 56 min 50 s
